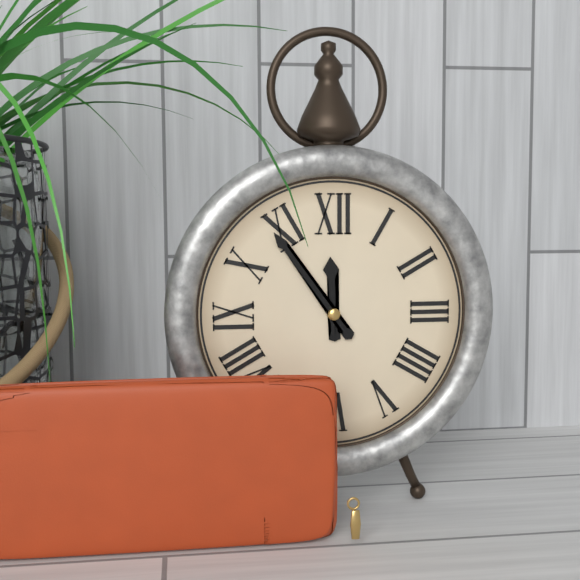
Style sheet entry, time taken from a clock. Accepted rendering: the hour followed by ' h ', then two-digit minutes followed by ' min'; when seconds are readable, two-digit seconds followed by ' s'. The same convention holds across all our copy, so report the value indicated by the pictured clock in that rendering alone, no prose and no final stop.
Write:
11 h 54 min
